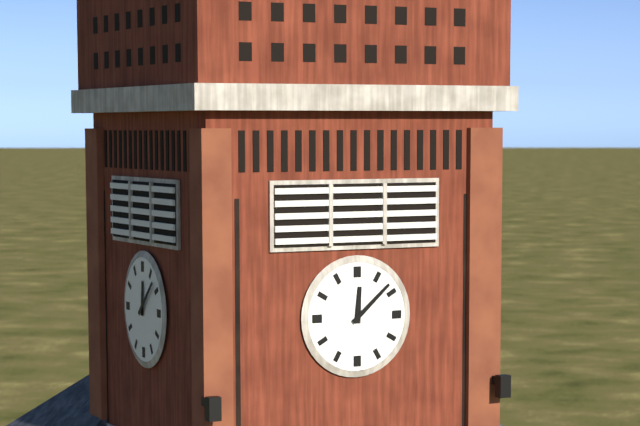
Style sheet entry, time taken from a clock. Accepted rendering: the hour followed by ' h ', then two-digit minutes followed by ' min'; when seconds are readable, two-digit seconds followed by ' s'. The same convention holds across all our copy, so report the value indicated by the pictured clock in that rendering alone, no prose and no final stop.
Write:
12 h 08 min
